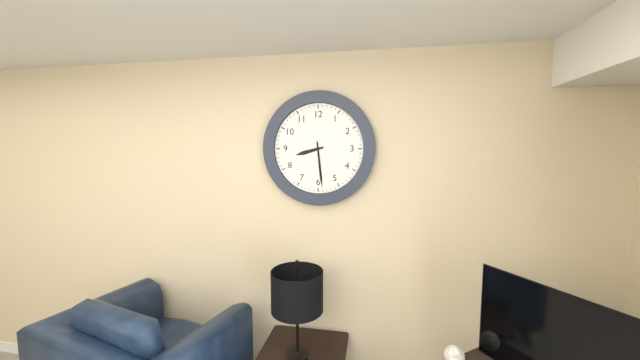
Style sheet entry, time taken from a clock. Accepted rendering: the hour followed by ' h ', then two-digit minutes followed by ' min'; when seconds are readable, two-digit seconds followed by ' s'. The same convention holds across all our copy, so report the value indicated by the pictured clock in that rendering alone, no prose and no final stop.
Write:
8 h 29 min
